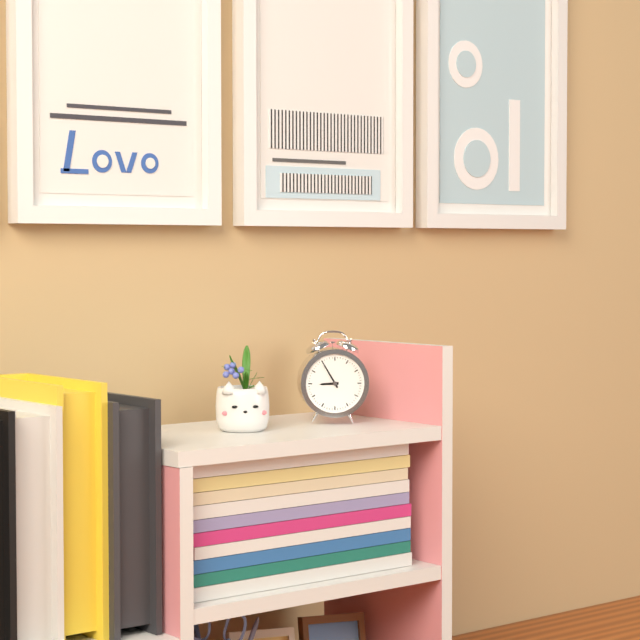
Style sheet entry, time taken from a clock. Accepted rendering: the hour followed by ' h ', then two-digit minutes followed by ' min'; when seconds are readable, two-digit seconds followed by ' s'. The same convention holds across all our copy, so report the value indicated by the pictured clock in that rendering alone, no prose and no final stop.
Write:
8 h 55 min
